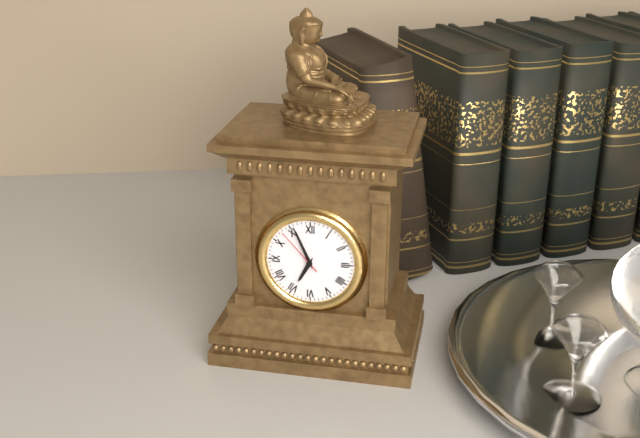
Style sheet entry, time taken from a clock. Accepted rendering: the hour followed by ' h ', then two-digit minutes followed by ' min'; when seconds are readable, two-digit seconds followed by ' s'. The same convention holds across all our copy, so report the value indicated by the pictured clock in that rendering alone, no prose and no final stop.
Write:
6 h 56 min 53 s
